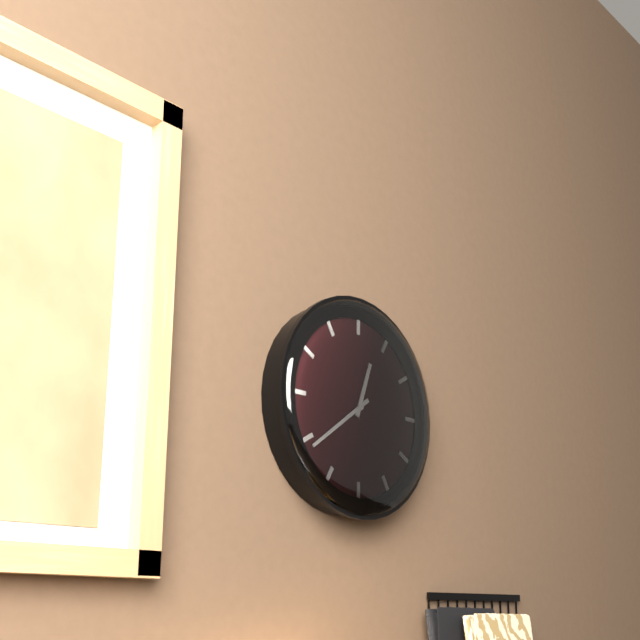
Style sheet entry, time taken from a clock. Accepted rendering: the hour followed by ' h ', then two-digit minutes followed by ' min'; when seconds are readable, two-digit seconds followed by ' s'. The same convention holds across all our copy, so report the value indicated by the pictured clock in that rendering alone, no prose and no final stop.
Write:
12 h 39 min
